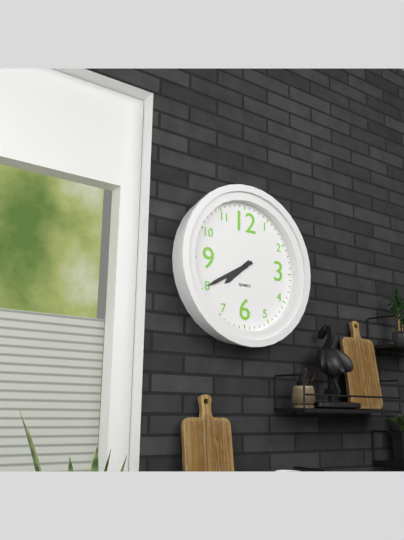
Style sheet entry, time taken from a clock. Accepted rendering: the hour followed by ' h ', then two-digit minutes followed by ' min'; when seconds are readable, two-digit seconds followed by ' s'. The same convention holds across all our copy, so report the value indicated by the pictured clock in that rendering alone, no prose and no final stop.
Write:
7 h 40 min
